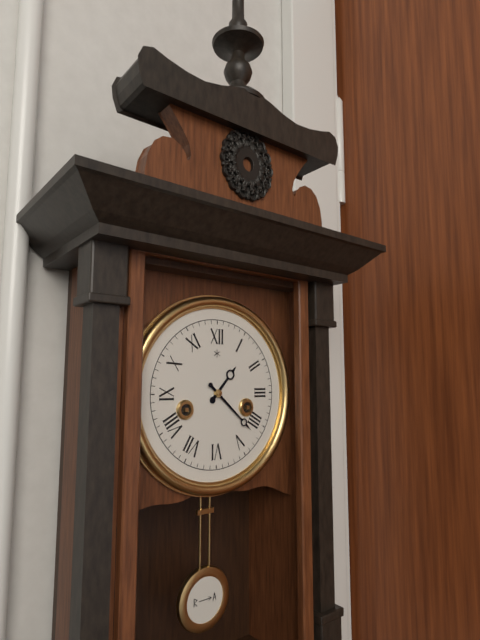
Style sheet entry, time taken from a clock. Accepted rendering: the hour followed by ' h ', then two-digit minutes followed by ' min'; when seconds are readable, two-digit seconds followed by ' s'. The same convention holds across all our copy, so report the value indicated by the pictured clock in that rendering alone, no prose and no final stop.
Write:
1 h 22 min
